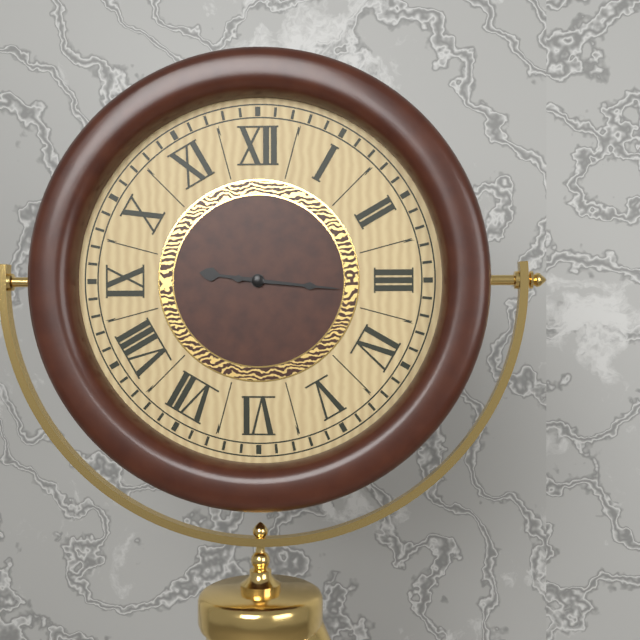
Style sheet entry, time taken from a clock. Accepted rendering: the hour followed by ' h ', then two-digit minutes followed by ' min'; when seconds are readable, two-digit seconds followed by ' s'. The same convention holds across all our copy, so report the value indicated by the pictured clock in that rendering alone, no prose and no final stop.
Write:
9 h 16 min
